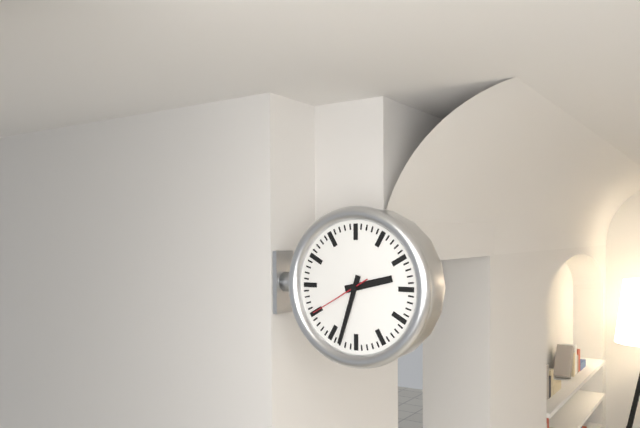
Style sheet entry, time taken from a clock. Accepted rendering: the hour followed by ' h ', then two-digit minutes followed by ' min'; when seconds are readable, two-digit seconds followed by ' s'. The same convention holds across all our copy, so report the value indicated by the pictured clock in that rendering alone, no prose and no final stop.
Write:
2 h 33 min 40 s
